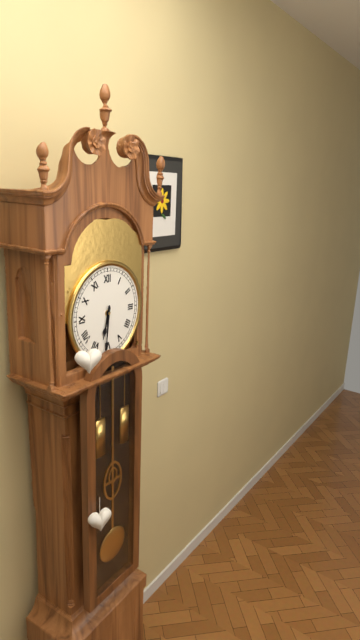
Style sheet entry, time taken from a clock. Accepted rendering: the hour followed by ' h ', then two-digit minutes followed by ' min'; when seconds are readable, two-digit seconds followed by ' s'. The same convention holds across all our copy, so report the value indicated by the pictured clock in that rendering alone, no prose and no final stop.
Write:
6 h 31 min
